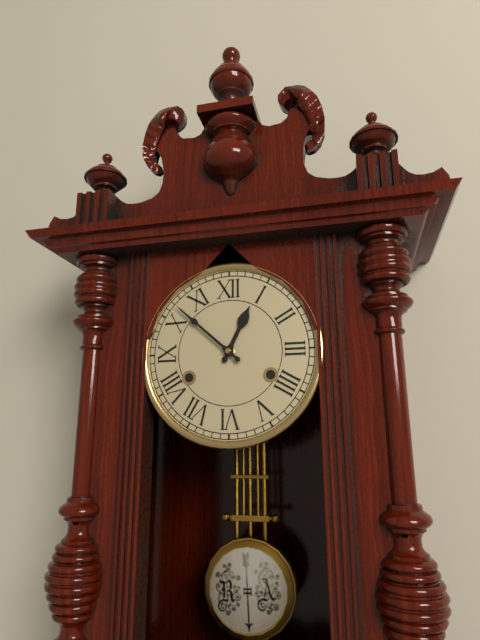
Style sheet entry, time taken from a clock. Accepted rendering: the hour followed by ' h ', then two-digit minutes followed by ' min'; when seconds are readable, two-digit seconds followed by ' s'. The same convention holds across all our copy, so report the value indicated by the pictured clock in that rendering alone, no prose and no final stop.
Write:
12 h 52 min
